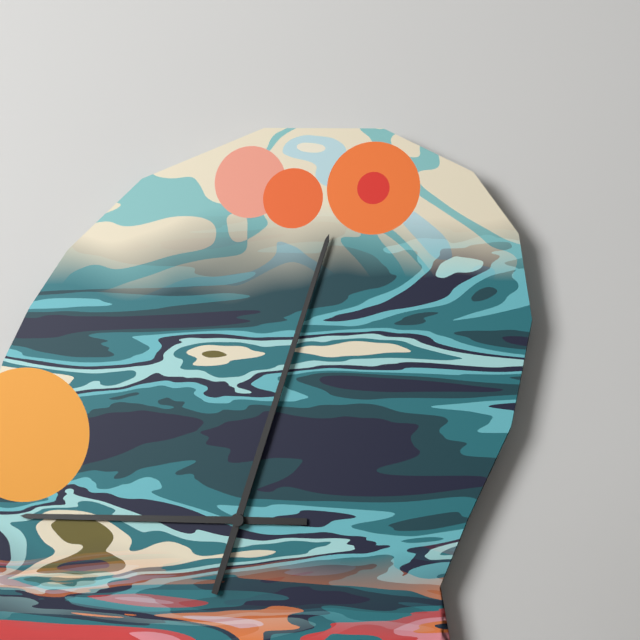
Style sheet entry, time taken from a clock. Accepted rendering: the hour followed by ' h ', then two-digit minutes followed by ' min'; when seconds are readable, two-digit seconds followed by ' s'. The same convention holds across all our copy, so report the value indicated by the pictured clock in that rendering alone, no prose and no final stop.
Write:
9 h 03 min
